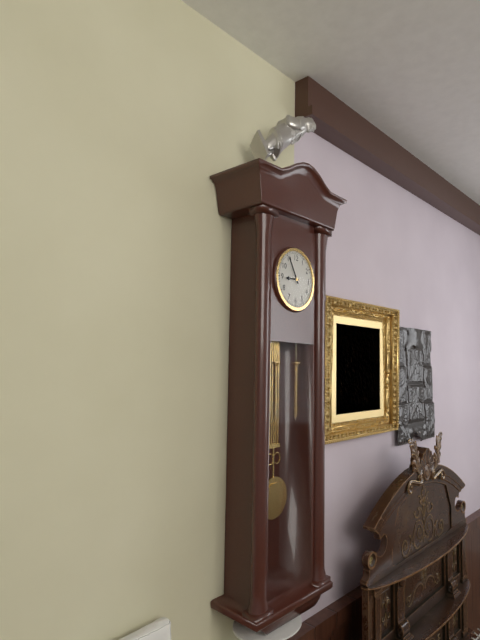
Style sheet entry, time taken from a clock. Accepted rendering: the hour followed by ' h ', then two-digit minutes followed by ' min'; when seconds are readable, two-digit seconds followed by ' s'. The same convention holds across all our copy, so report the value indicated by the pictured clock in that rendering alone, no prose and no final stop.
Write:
8 h 55 min
